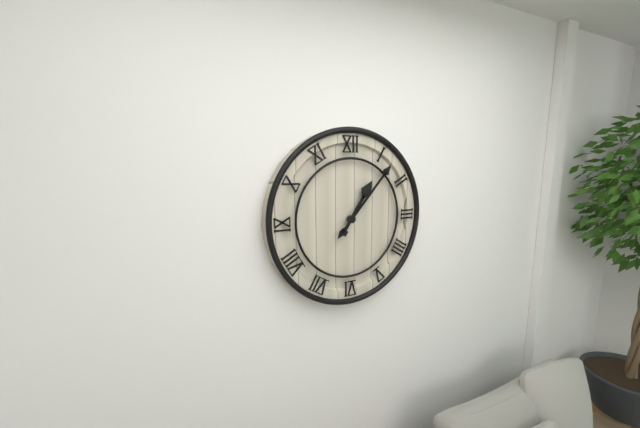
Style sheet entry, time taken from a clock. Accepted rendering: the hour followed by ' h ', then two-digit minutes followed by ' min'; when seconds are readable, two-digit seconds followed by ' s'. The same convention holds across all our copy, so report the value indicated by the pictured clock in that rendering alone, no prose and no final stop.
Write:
1 h 07 min
